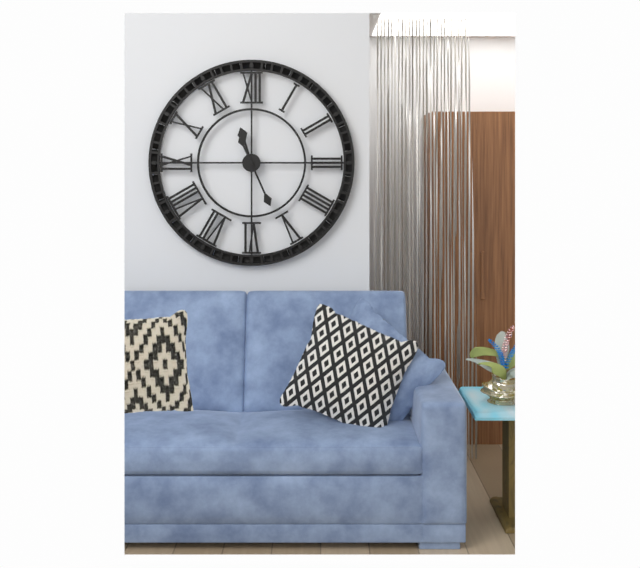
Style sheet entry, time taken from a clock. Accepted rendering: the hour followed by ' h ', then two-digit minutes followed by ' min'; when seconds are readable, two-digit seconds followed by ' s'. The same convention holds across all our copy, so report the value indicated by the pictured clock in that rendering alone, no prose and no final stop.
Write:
11 h 26 min
